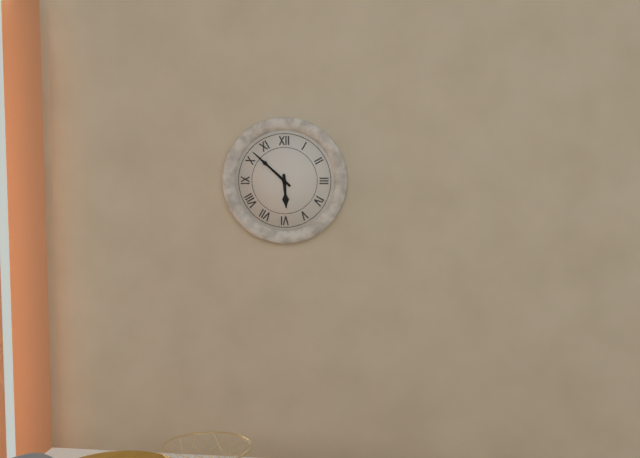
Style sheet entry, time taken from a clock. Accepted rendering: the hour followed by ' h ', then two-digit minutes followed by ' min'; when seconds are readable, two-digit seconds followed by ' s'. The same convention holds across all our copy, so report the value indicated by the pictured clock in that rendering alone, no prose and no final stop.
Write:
5 h 52 min
